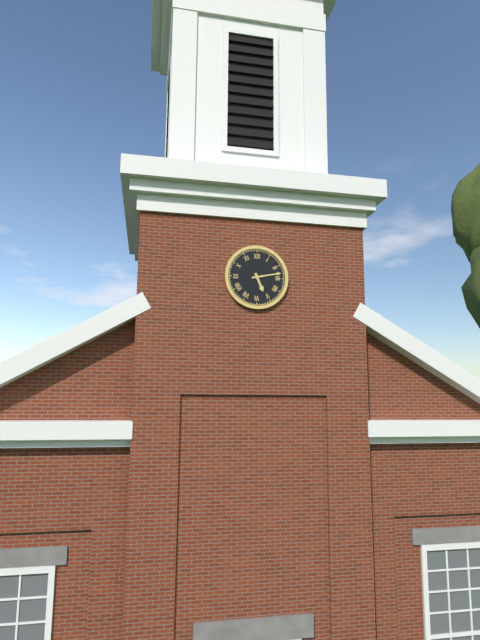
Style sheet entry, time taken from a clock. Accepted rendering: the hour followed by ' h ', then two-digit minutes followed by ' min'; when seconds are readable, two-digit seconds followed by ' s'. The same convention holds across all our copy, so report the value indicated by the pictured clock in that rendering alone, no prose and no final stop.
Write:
5 h 13 min
